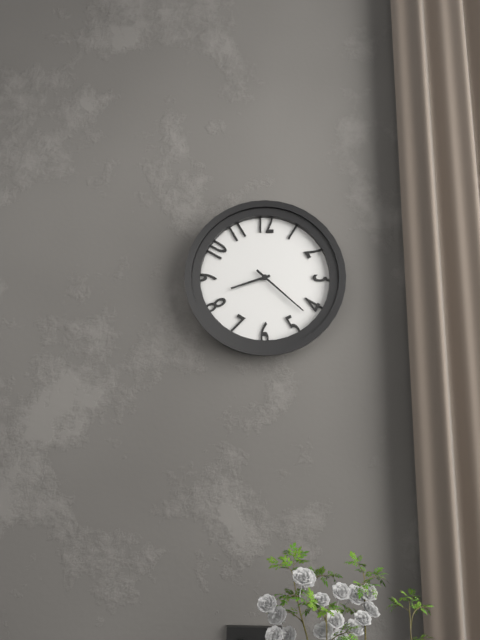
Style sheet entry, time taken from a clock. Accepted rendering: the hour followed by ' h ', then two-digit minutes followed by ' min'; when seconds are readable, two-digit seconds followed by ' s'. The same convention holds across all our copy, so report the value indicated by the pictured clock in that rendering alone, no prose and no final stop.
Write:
8 h 22 min
